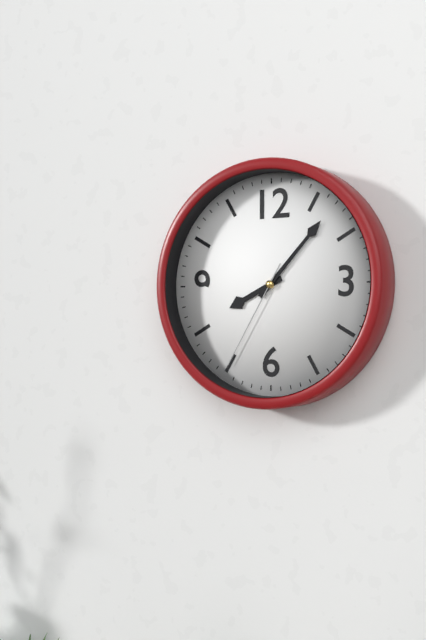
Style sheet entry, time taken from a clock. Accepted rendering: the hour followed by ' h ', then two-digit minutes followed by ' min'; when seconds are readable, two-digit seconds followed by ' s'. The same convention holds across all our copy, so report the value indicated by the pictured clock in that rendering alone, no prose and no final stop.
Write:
8 h 07 min 35 s
